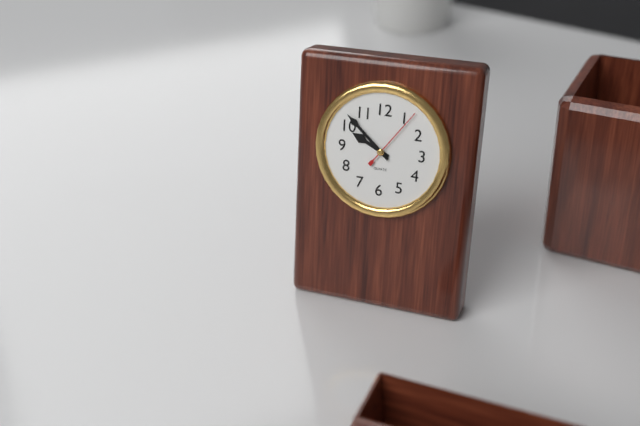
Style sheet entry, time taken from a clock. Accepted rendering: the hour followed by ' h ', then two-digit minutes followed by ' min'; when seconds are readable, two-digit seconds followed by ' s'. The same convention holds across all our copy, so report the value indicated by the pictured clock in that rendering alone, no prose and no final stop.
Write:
9 h 52 min 06 s
